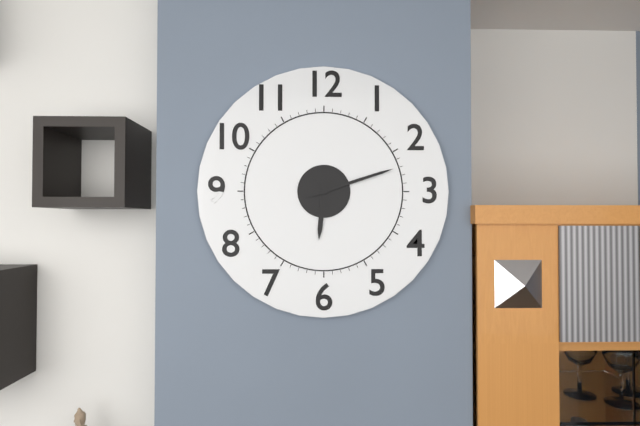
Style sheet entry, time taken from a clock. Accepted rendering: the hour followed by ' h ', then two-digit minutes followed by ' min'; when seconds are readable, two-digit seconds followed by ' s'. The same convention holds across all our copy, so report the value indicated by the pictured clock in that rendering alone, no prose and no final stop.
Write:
6 h 12 min
